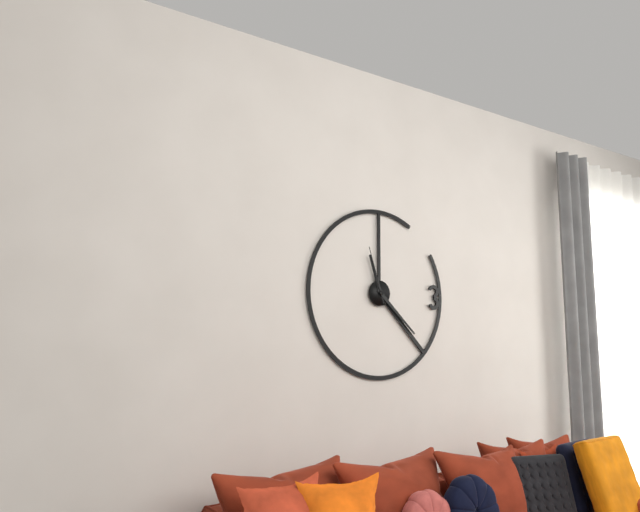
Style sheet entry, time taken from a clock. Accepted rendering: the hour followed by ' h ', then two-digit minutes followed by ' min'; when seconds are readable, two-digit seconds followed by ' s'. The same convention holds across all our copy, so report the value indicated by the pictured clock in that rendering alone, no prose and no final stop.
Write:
11 h 22 min 57 s
